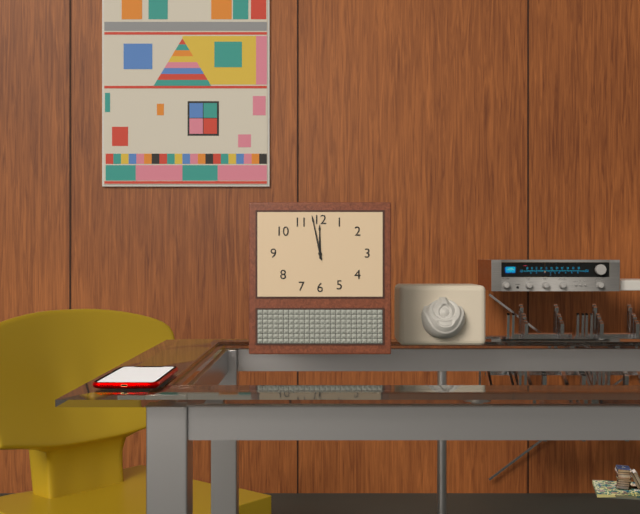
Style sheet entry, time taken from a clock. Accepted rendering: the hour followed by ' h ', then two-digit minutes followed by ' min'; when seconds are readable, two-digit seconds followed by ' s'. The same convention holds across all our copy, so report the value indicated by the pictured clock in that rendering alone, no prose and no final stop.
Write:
11 h 58 min
